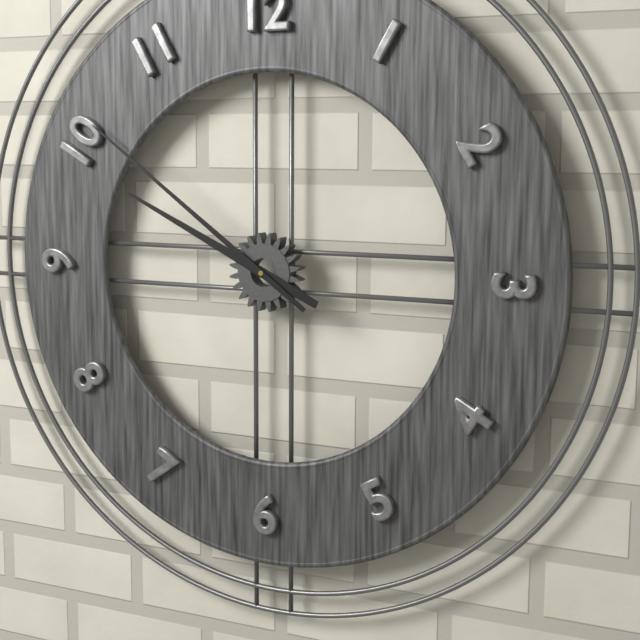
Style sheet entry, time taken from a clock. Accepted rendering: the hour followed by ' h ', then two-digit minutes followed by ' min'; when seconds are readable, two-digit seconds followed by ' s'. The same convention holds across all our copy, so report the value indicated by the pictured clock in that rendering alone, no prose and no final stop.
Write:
9 h 51 min
